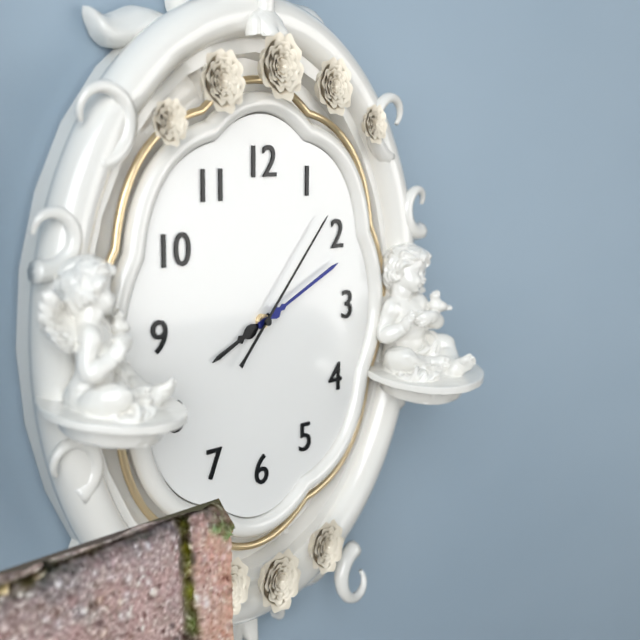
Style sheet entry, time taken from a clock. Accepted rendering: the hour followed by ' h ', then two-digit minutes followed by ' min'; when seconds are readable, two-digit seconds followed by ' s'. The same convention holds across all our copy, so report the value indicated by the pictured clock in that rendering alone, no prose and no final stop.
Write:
8 h 11 min 07 s
